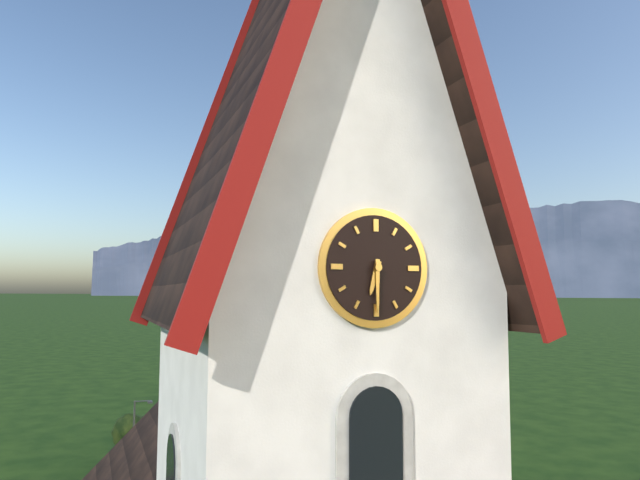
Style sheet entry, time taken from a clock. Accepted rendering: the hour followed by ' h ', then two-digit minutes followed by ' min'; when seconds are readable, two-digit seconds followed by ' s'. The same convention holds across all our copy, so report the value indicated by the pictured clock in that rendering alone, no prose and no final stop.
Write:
6 h 30 min
